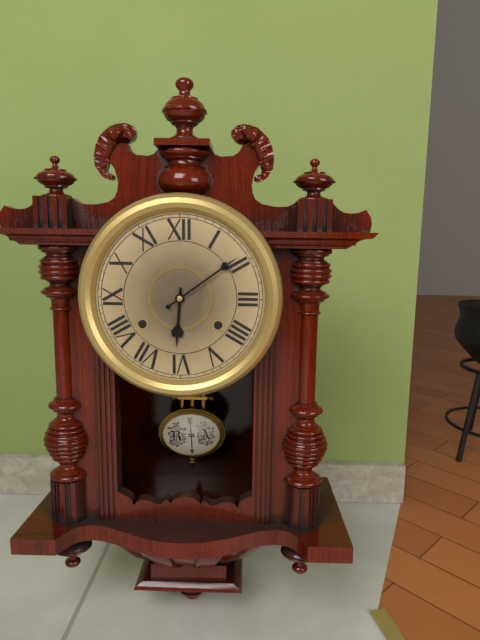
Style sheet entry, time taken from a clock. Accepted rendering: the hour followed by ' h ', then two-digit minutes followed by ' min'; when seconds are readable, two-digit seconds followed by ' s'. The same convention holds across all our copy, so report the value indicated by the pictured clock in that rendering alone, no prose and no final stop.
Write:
6 h 09 min
